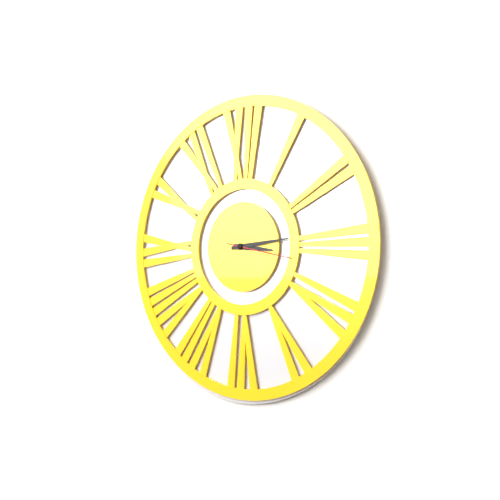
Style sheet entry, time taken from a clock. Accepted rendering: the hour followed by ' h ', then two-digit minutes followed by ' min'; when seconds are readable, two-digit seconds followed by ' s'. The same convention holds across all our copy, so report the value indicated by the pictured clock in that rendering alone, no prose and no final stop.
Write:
3 h 14 min 17 s
